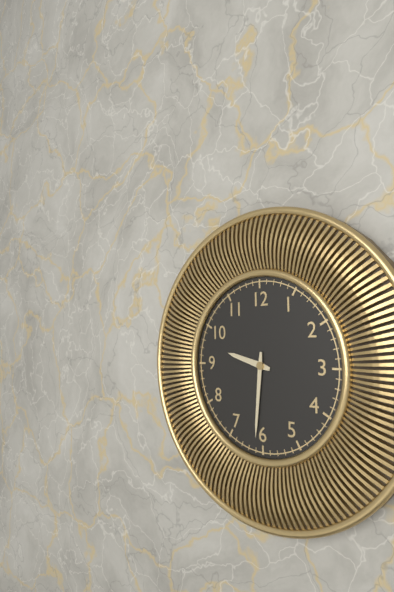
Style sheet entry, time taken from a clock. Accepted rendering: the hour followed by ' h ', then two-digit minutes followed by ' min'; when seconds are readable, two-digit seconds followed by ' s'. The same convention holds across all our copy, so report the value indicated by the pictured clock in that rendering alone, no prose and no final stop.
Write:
9 h 31 min
